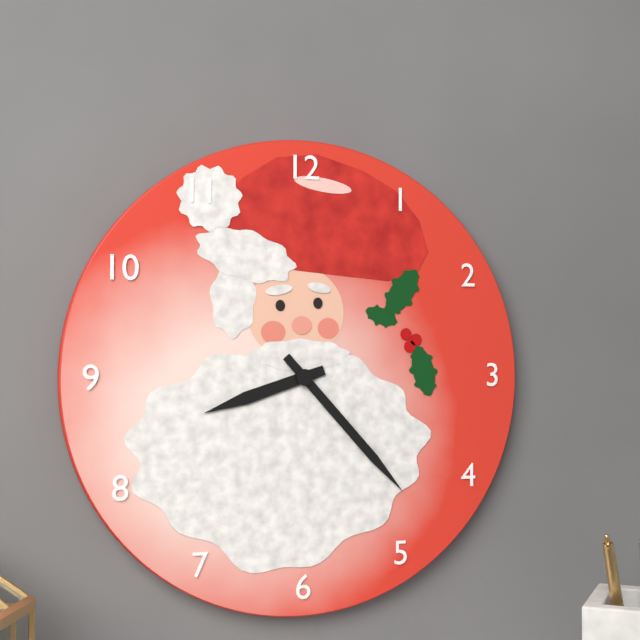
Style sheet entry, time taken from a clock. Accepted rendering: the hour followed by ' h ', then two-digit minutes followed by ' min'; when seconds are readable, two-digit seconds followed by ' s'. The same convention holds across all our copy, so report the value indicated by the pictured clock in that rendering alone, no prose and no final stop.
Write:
8 h 23 min
